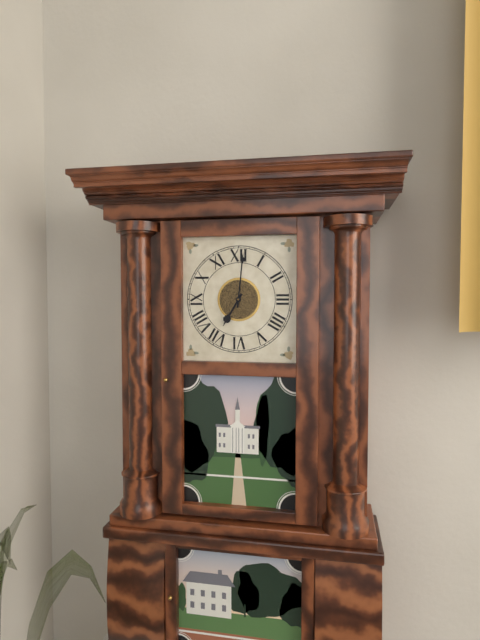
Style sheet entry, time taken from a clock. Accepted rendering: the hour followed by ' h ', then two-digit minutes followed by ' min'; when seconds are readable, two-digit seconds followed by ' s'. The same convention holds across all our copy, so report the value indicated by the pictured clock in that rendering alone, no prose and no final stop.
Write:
7 h 01 min
